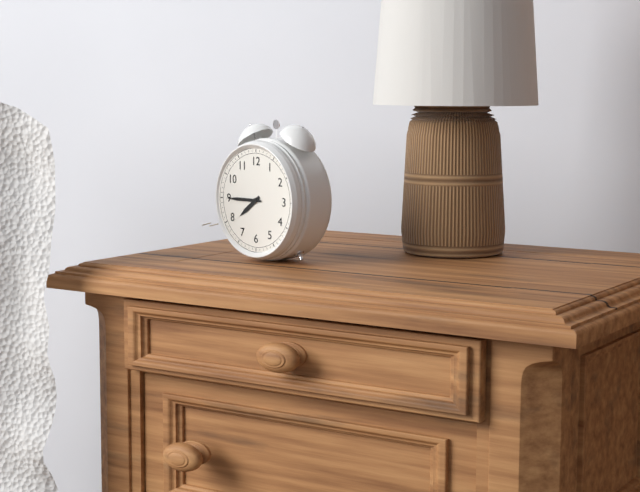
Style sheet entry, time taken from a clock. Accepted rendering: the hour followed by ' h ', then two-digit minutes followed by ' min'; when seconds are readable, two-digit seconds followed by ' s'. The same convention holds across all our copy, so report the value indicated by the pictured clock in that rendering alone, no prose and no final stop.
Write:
7 h 45 min
